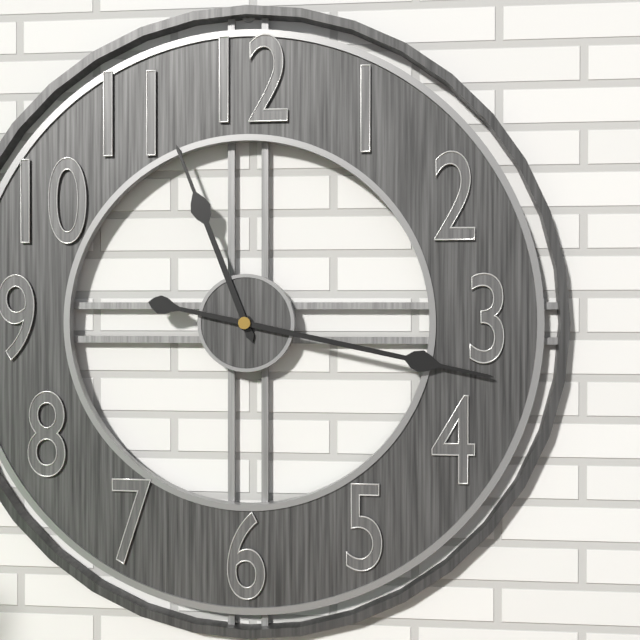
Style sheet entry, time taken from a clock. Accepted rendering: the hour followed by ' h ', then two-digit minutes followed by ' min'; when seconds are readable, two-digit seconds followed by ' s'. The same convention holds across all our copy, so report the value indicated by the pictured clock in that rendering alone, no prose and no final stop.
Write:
11 h 17 min
